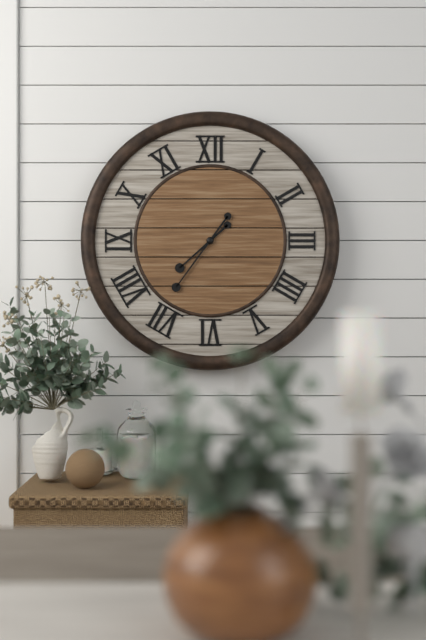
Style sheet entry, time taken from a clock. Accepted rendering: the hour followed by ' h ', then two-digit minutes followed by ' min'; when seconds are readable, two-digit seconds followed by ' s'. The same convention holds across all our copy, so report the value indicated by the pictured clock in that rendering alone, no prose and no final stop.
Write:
7 h 36 min
